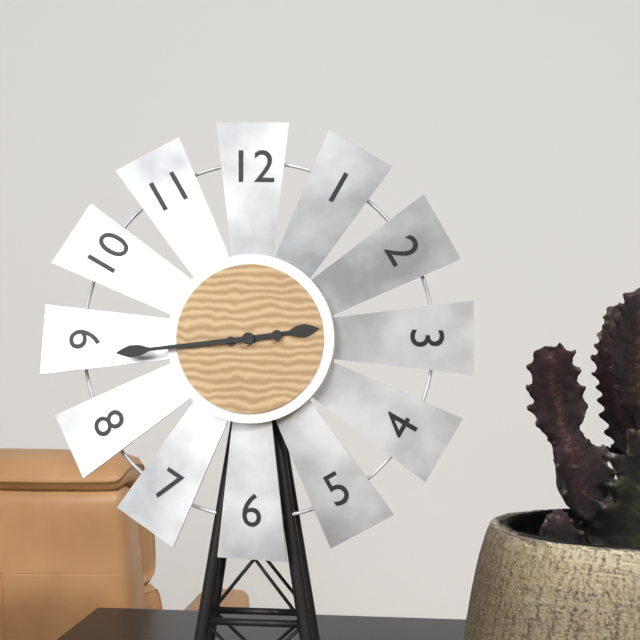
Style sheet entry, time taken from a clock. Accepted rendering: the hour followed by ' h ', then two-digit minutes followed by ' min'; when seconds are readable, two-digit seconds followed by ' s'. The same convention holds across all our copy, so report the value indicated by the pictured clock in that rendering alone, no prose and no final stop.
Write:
2 h 44 min
